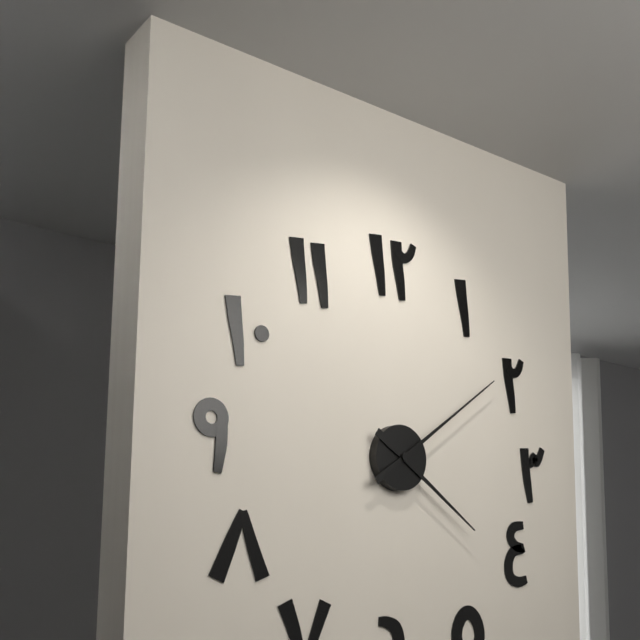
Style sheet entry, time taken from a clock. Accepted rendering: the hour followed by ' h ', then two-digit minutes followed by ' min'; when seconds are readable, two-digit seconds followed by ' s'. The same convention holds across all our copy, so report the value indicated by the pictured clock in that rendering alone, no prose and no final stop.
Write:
4 h 09 min
